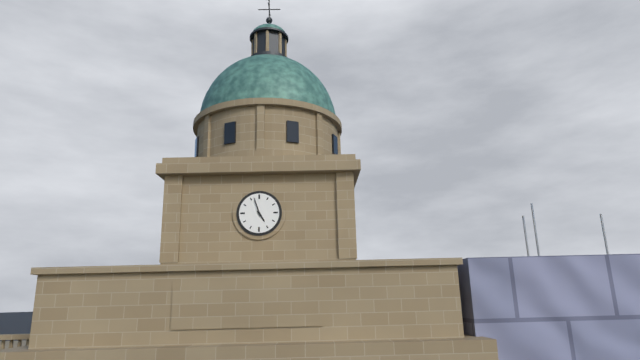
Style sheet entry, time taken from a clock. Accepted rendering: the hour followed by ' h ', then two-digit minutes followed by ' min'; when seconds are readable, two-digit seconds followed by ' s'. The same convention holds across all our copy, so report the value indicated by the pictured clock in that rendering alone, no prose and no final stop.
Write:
4 h 57 min
